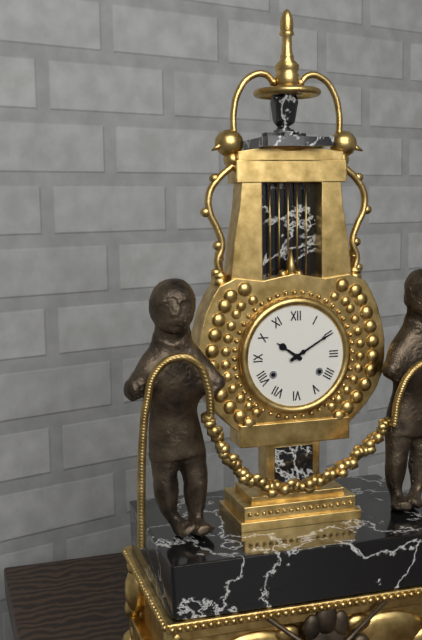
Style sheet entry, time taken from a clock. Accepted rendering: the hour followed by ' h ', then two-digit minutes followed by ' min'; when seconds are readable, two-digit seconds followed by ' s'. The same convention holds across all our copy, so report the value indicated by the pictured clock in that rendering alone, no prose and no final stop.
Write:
10 h 10 min
